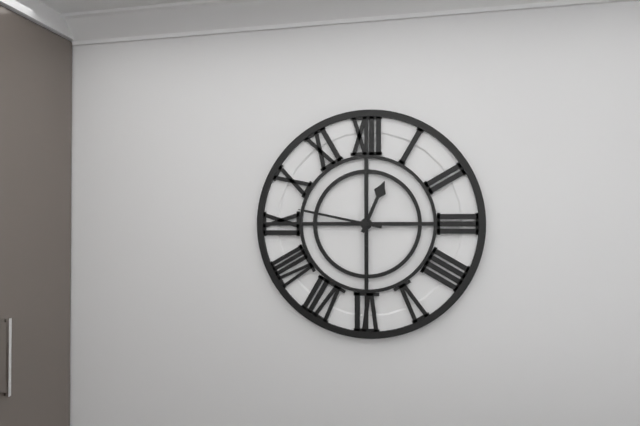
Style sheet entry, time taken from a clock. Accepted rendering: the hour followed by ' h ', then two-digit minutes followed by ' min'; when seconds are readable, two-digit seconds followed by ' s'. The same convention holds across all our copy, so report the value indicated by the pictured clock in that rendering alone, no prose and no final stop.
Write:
12 h 47 min 30 s
